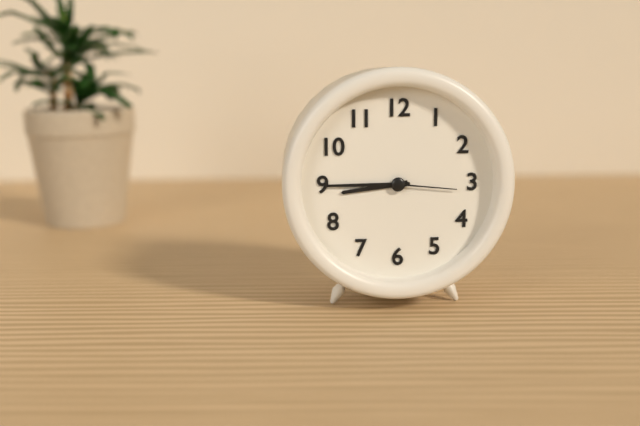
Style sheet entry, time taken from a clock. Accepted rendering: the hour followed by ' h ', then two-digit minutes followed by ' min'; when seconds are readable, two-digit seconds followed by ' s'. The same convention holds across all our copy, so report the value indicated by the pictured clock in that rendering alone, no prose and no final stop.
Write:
8 h 45 min 16 s
